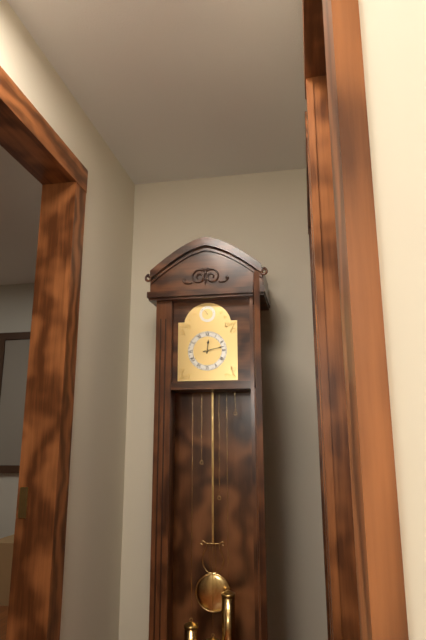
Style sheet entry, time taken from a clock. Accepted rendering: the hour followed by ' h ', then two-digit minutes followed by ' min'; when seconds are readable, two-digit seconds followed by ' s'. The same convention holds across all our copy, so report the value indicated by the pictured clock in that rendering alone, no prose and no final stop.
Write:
12 h 13 min
